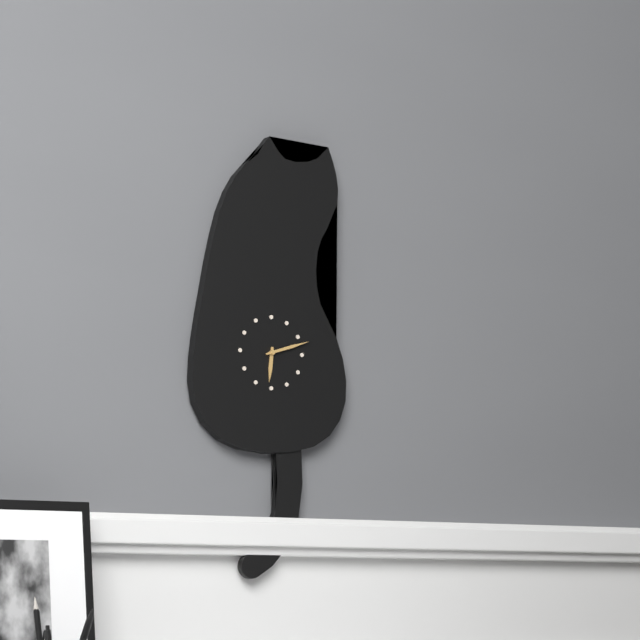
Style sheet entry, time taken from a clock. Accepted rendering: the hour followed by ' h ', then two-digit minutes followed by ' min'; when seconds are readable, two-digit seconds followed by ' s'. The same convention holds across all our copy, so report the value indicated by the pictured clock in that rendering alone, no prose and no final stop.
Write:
6 h 12 min
